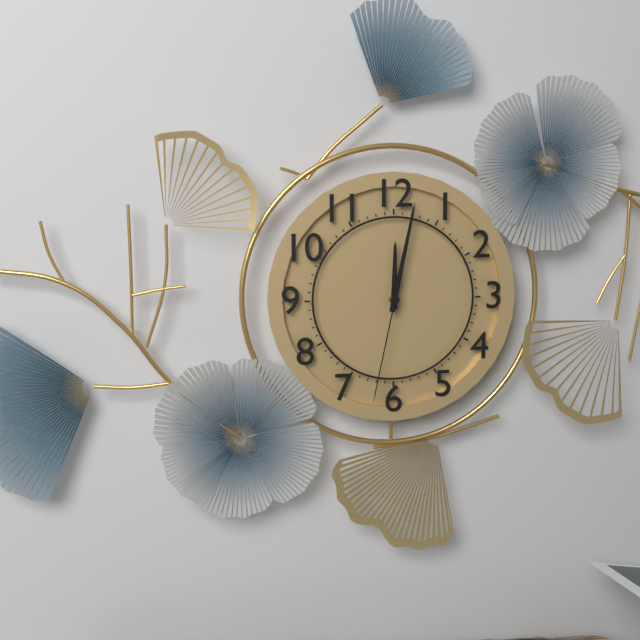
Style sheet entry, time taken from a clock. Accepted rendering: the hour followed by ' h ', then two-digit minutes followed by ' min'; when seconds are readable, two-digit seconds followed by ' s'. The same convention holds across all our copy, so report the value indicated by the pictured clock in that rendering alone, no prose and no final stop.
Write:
12 h 02 min 32 s
